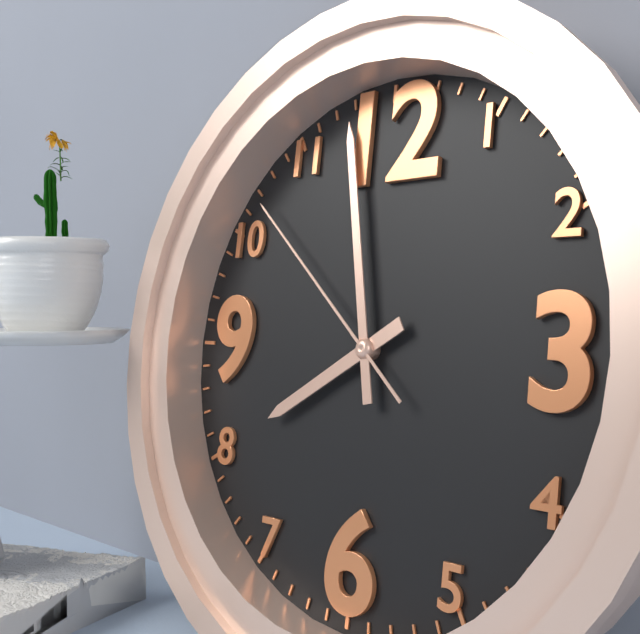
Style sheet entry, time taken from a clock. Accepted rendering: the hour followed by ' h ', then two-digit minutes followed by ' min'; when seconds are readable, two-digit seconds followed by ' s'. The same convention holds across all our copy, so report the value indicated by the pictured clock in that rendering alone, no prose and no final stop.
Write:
7 h 58 min 52 s
